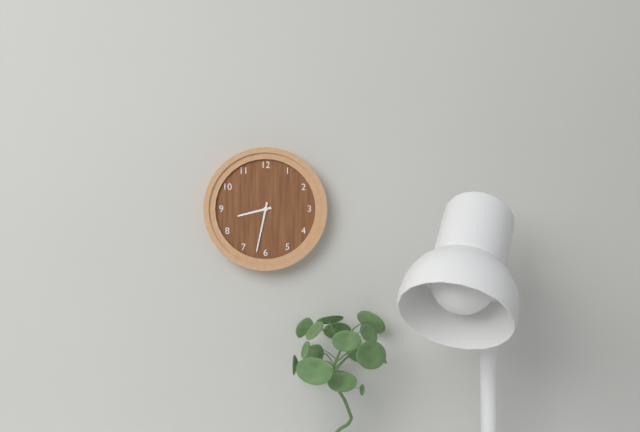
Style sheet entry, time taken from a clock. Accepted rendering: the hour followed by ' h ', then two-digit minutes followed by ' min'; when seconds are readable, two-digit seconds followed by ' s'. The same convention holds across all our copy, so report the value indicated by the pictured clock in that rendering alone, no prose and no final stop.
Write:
8 h 32 min
